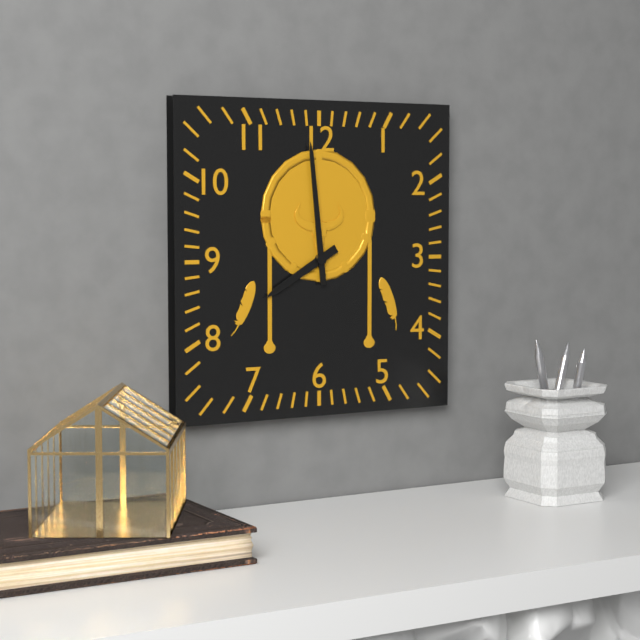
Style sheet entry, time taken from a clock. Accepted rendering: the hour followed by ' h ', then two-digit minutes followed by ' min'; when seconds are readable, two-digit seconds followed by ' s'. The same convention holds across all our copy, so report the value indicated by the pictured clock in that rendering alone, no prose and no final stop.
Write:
7 h 59 min
